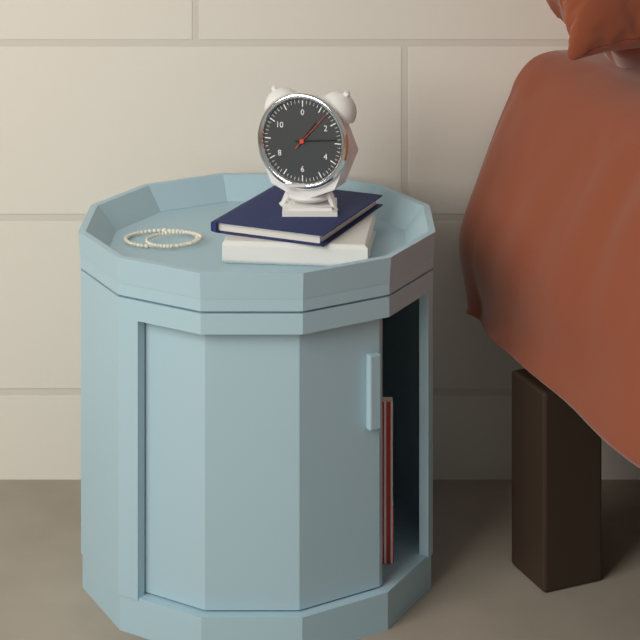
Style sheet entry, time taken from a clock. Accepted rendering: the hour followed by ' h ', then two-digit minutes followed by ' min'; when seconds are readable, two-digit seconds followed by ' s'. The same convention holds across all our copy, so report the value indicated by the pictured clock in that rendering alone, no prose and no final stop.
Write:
1 h 14 min
